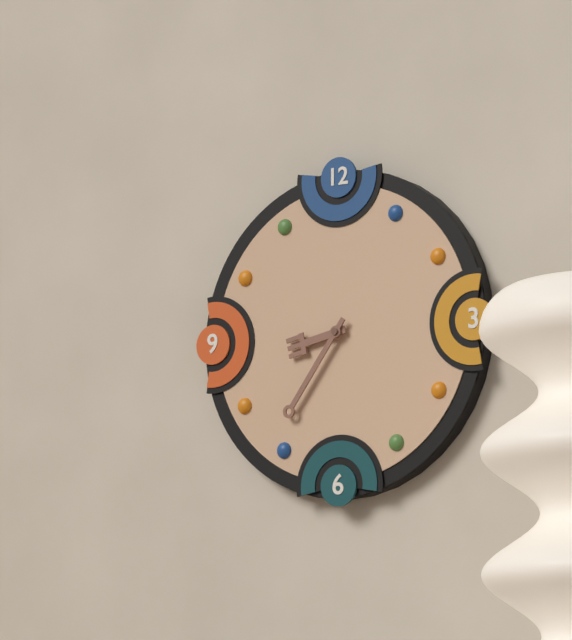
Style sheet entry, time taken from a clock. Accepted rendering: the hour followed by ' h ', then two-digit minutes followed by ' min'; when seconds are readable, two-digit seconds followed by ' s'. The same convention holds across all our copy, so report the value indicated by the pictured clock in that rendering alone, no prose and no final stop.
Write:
8 h 36 min
